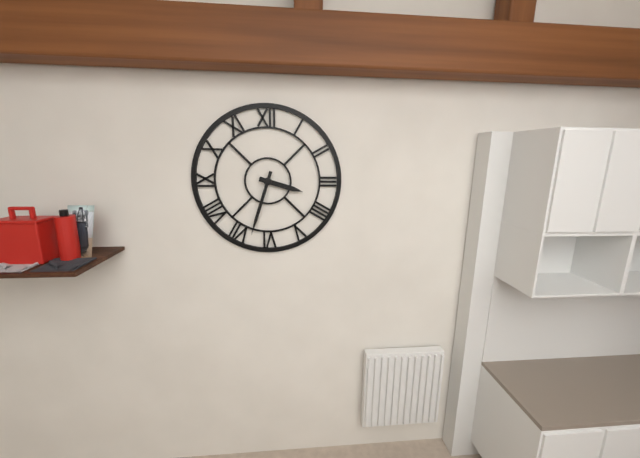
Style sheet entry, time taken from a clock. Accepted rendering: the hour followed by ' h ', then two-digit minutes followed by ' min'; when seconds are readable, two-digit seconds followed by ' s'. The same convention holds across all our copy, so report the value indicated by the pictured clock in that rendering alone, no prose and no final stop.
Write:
3 h 33 min
